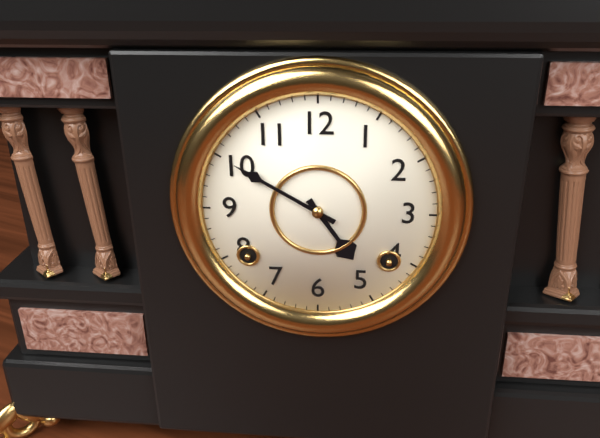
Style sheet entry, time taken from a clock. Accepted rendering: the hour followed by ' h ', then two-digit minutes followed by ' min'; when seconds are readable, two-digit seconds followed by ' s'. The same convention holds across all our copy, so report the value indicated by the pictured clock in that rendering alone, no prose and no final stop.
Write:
4 h 50 min
